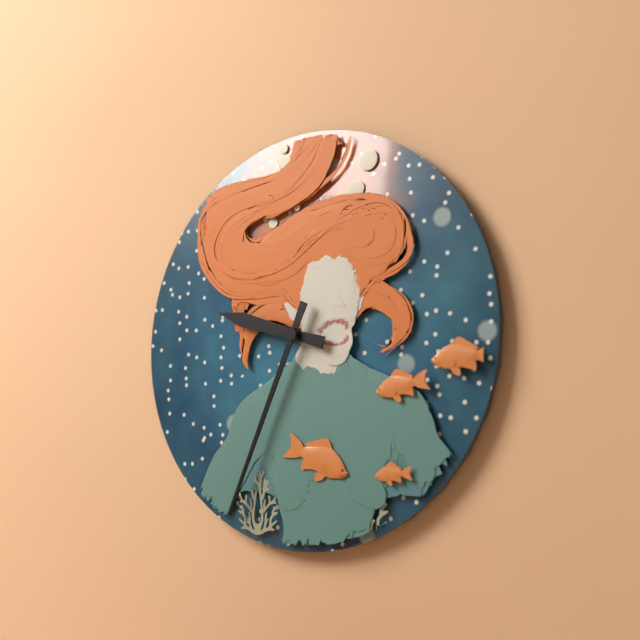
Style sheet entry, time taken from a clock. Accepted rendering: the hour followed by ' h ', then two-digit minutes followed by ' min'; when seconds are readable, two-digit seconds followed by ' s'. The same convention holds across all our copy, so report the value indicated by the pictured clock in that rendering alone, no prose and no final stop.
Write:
9 h 34 min
